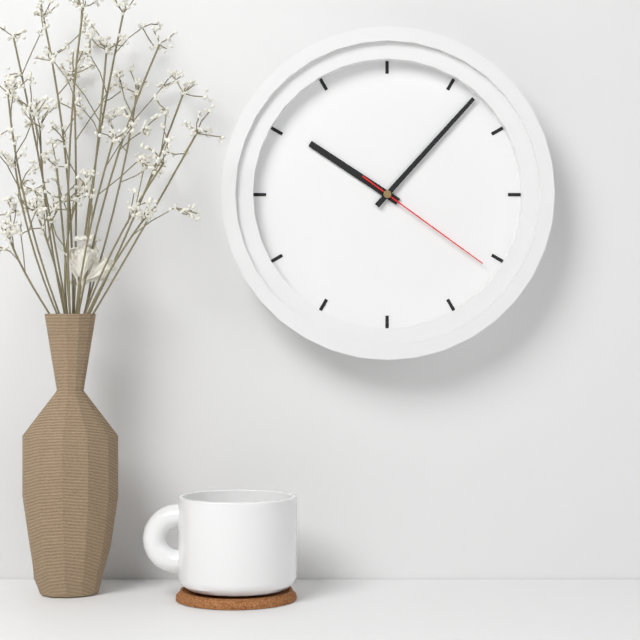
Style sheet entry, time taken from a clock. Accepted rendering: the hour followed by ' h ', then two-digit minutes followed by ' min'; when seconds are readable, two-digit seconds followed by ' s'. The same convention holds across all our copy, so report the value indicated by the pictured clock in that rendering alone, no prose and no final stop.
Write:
10 h 07 min 21 s
